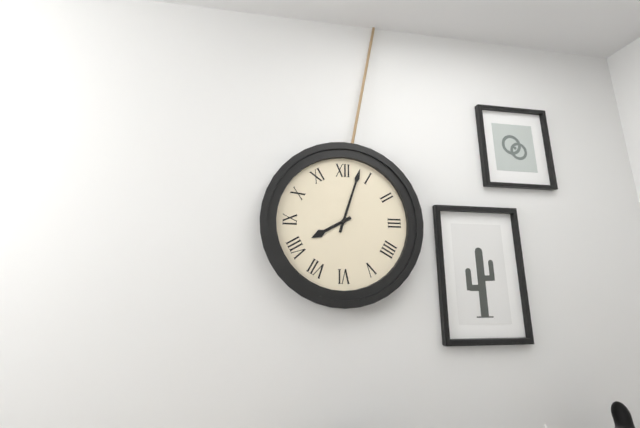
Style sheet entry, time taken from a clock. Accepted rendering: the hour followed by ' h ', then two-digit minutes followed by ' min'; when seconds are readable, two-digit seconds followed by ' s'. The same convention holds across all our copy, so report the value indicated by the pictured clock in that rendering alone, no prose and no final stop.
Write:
8 h 03 min
